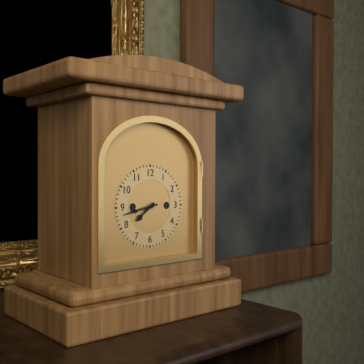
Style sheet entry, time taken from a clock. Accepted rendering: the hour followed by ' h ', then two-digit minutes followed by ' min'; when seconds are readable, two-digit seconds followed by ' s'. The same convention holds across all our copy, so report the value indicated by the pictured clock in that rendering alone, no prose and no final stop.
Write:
7 h 43 min
